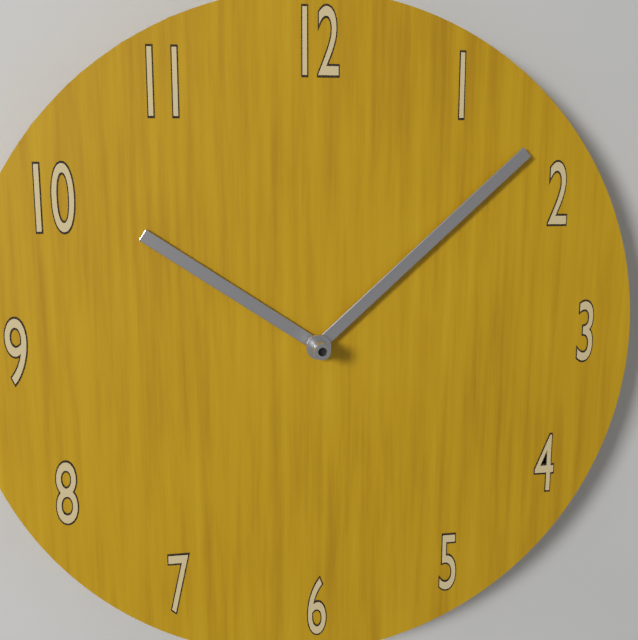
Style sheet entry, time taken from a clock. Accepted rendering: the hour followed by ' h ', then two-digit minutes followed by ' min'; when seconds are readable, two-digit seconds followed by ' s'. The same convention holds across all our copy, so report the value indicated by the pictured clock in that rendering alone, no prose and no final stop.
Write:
10 h 08 min
